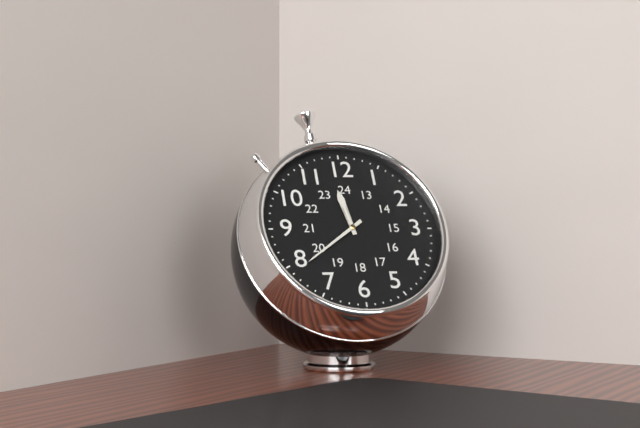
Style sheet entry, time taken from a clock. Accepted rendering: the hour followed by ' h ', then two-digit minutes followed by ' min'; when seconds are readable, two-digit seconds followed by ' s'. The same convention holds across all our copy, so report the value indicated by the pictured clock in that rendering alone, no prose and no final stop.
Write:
11 h 39 min
